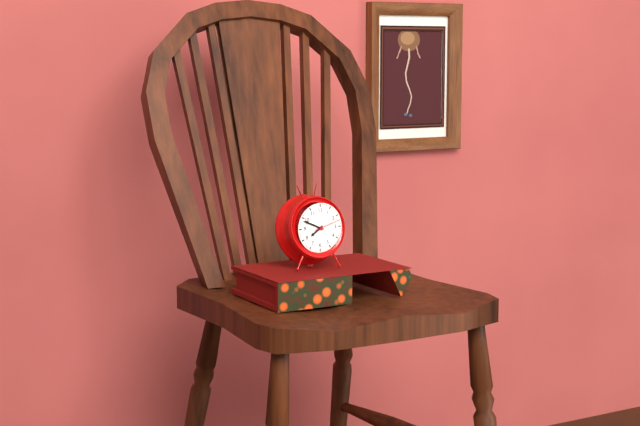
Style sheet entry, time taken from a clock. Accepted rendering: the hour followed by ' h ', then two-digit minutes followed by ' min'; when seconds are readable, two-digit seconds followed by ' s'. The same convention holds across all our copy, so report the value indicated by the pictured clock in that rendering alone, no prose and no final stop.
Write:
7 h 49 min
